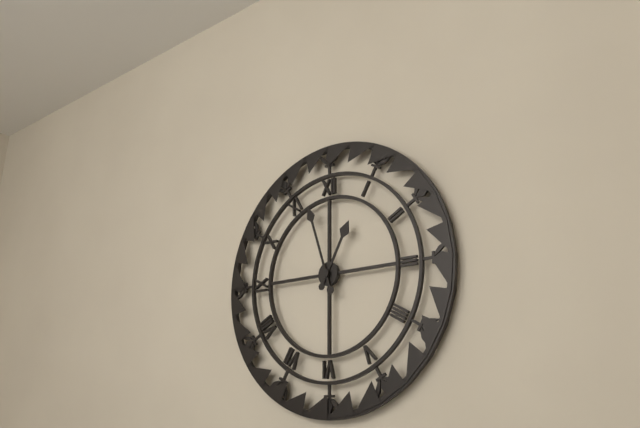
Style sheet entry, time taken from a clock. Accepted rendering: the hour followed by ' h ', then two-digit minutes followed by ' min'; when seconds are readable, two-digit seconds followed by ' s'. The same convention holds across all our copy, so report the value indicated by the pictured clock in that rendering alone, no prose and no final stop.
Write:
12 h 57 min
